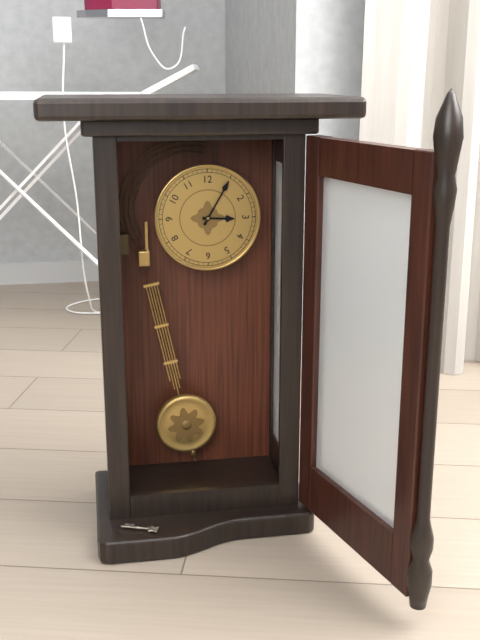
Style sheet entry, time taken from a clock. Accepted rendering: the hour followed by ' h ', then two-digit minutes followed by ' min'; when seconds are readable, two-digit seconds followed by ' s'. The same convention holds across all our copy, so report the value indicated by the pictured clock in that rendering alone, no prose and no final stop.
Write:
3 h 05 min
